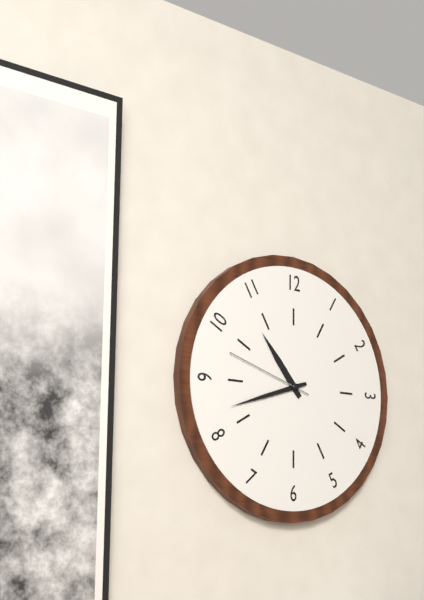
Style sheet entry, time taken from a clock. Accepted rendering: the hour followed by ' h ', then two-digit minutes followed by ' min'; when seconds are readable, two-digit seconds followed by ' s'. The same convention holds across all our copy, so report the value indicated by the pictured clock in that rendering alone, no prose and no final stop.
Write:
10 h 42 min 48 s
